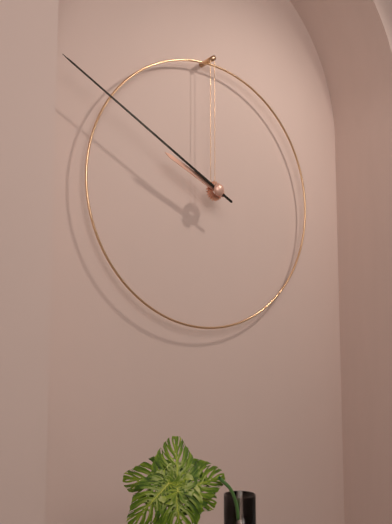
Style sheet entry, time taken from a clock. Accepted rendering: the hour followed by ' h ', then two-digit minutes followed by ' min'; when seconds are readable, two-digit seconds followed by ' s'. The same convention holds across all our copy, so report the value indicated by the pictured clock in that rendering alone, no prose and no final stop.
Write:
9 h 50 min
